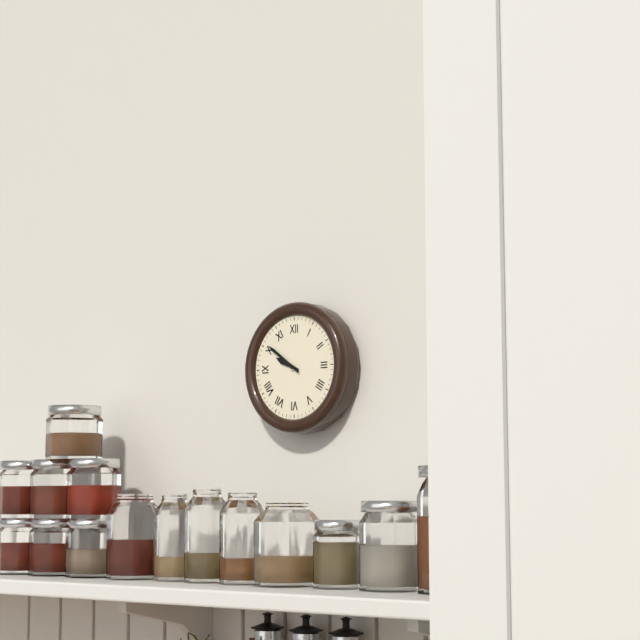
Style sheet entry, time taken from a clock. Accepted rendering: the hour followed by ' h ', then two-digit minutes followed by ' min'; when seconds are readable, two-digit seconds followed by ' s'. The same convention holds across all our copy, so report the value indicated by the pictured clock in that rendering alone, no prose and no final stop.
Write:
9 h 51 min
